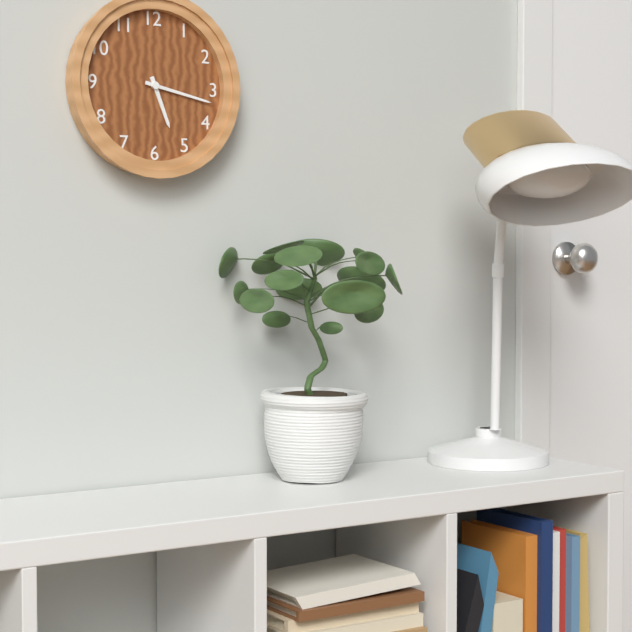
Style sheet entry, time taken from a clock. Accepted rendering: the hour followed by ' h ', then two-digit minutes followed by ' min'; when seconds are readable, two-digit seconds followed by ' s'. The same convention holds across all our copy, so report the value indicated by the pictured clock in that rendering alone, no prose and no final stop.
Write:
5 h 17 min
